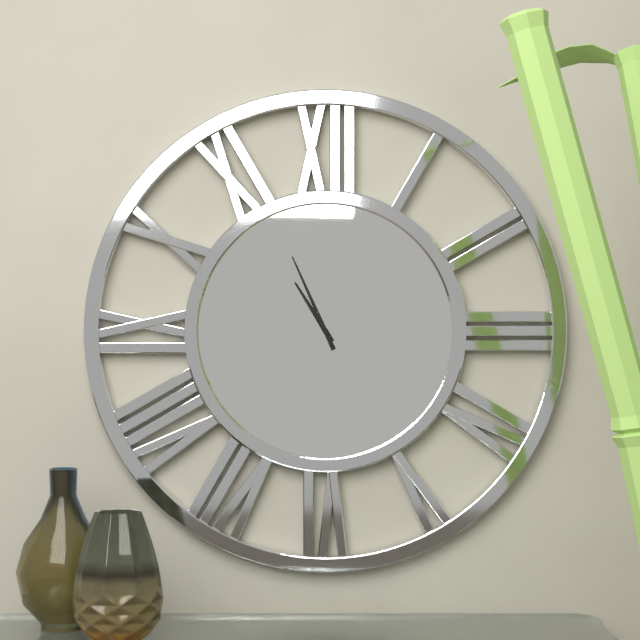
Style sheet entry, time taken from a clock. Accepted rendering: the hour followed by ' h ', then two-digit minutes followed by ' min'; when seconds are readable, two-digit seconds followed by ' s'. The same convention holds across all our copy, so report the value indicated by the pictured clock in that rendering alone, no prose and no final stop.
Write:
10 h 56 min
